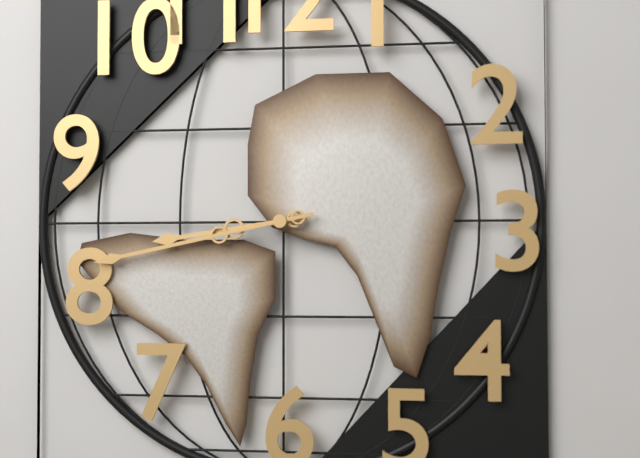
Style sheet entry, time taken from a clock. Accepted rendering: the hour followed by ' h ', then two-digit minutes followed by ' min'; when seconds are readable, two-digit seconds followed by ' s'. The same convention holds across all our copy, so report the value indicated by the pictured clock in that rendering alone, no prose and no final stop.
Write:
8 h 43 min
